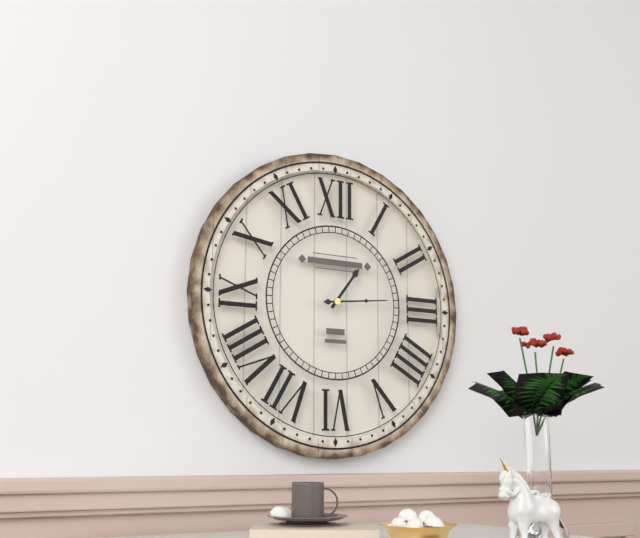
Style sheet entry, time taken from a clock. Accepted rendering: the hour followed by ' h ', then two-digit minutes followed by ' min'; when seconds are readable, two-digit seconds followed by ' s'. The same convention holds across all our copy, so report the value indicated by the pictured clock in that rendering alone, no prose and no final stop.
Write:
1 h 14 min
